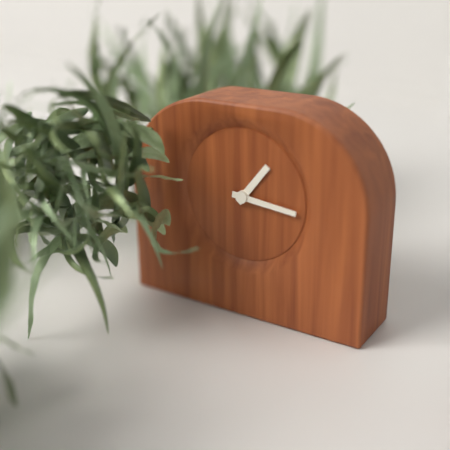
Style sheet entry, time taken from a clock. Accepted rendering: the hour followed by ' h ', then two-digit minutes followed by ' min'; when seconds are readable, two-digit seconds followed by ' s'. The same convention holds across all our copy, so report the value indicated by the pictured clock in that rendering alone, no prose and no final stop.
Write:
1 h 16 min
